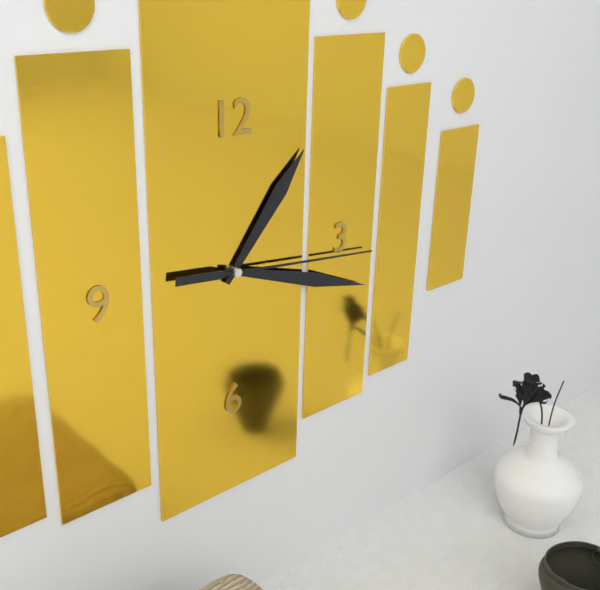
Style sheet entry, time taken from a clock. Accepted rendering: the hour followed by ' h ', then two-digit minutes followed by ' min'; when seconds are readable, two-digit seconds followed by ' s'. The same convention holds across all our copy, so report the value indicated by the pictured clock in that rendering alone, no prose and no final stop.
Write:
1 h 18 min 16 s
